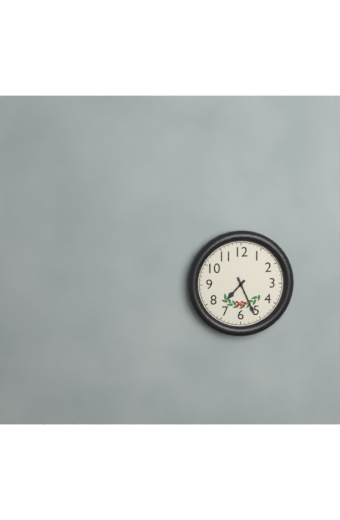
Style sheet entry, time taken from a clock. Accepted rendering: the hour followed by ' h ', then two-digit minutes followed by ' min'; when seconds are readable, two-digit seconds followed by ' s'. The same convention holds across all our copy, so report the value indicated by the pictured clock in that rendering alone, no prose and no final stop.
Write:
7 h 26 min
